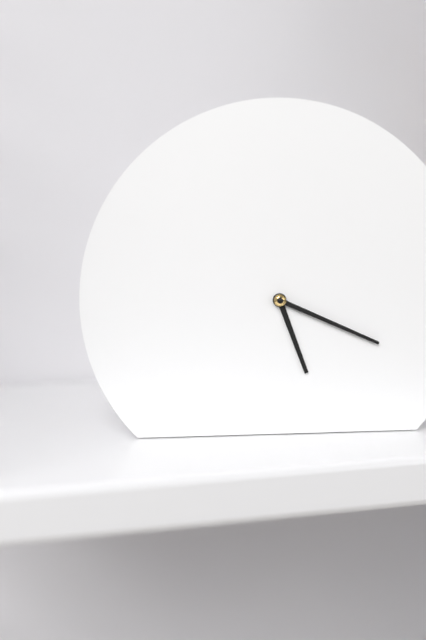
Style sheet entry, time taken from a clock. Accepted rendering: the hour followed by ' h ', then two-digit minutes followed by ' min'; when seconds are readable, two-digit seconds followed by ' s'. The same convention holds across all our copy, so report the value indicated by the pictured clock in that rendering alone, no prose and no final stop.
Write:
5 h 19 min
